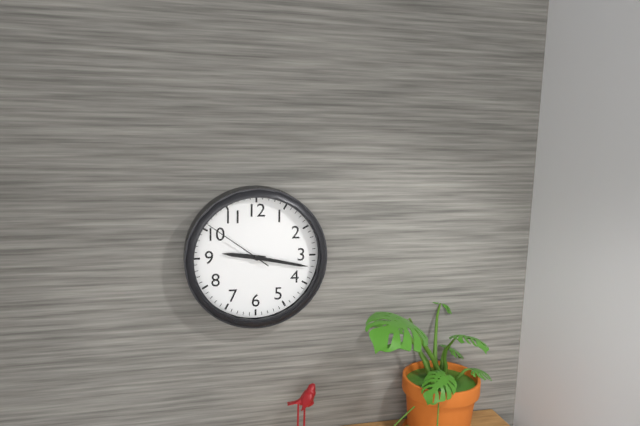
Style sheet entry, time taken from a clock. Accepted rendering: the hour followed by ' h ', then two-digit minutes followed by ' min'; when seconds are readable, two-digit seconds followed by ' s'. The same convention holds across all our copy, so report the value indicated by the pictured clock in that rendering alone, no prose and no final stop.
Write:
9 h 17 min 51 s
